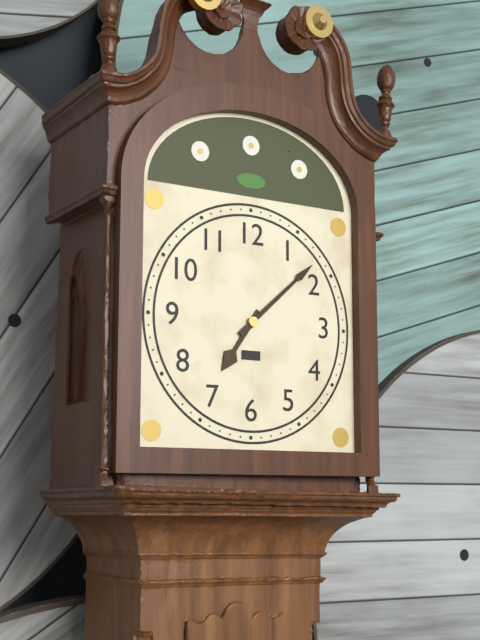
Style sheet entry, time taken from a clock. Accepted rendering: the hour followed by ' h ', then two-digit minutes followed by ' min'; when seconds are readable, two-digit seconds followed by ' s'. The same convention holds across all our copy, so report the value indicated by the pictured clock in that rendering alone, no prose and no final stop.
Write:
7 h 08 min
